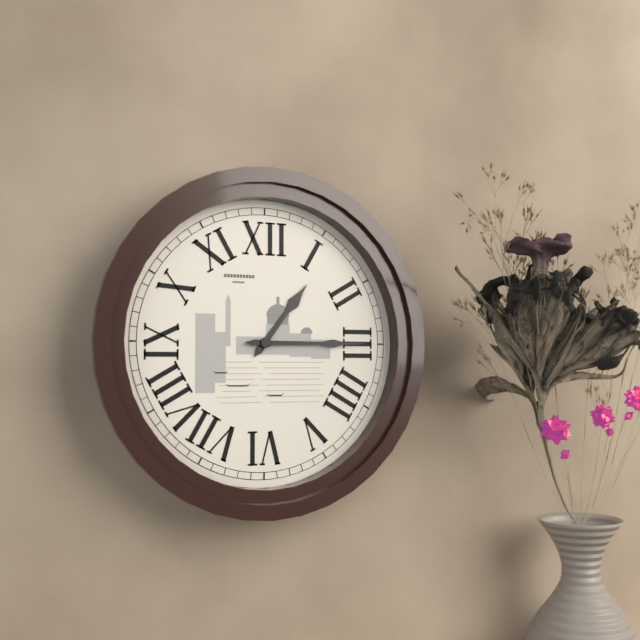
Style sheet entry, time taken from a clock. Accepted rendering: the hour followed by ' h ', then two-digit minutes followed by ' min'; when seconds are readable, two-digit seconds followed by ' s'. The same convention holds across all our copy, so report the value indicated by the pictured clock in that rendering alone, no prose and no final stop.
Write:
1 h 15 min
